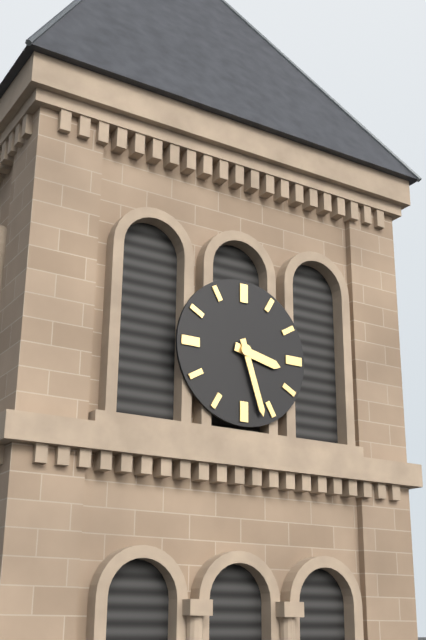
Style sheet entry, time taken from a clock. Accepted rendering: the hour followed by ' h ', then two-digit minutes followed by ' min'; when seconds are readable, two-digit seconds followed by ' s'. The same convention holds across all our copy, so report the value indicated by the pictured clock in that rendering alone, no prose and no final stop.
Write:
3 h 27 min
